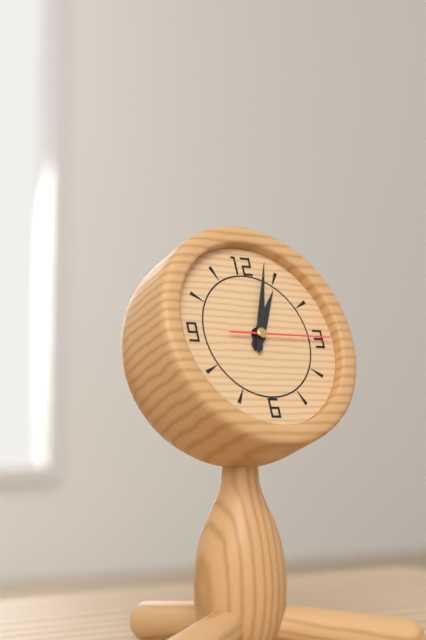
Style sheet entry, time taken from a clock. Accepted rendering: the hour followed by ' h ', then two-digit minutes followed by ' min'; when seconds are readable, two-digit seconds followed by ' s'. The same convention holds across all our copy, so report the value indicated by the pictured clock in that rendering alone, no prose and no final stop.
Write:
1 h 03 min 15 s
